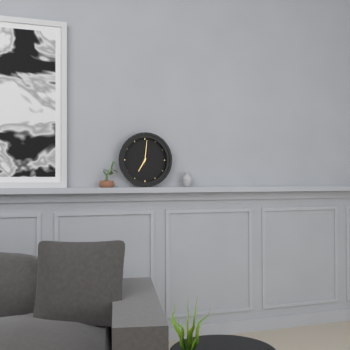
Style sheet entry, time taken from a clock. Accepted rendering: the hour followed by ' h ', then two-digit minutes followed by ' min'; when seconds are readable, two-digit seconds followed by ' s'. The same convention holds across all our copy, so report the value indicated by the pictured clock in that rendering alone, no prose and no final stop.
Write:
7 h 01 min
